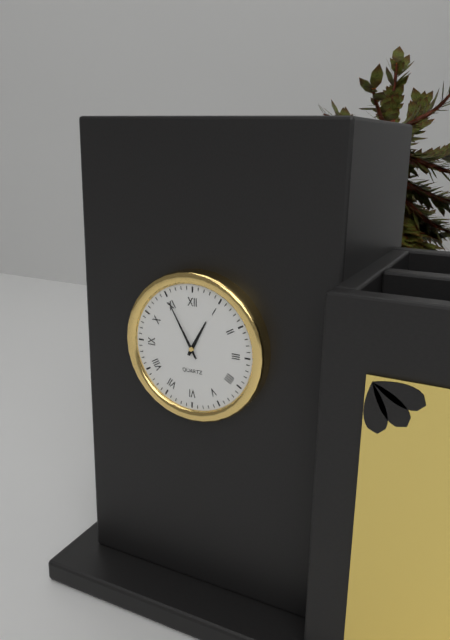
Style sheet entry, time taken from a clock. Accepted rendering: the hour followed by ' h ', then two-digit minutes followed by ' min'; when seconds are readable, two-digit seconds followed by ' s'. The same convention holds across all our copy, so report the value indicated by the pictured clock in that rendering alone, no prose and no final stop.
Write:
12 h 55 min
